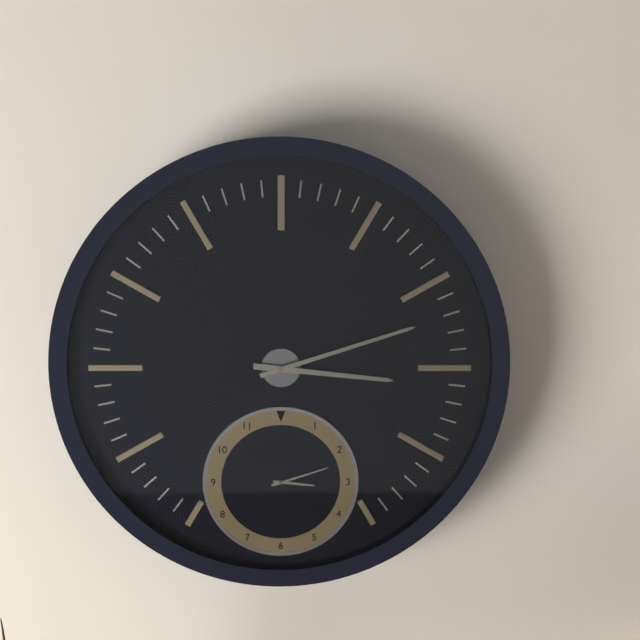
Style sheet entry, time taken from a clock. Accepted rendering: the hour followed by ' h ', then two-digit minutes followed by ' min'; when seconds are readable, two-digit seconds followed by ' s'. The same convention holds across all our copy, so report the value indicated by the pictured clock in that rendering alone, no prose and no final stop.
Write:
3 h 12 min
